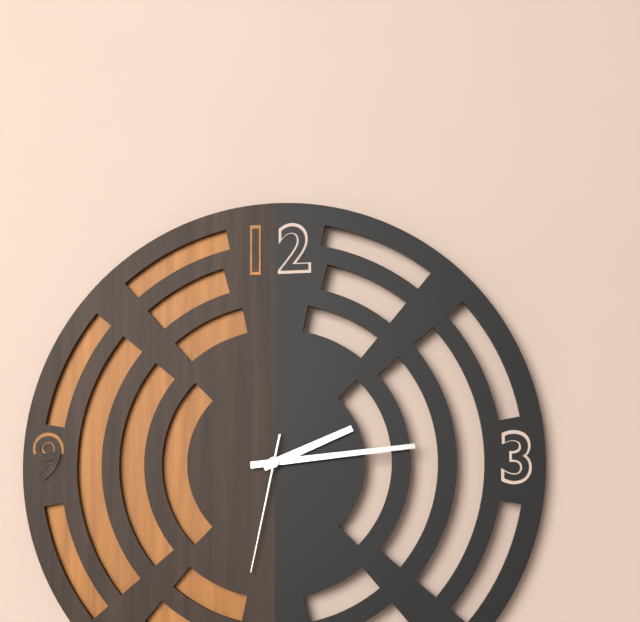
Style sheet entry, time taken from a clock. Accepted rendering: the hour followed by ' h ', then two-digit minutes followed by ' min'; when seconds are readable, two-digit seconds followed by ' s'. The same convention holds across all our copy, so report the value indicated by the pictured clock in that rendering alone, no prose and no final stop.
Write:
2 h 14 min 32 s
